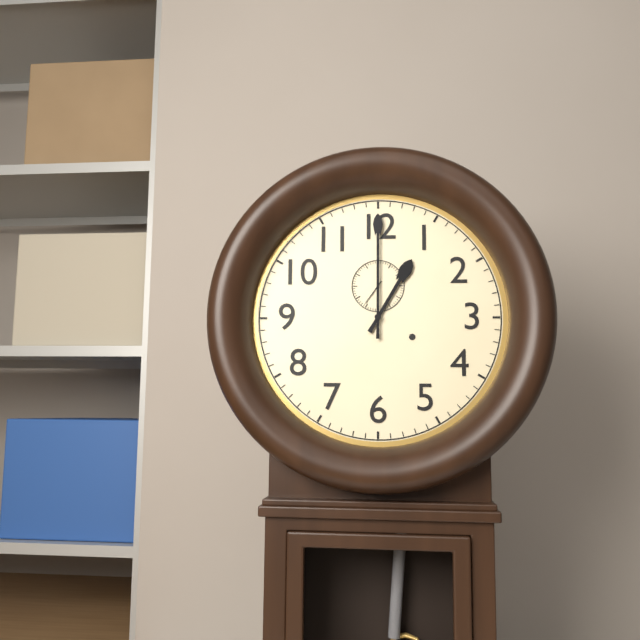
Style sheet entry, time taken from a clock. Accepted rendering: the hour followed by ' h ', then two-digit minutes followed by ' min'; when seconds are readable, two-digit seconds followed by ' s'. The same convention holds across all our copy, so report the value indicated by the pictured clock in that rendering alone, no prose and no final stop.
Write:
1 h 00 min
